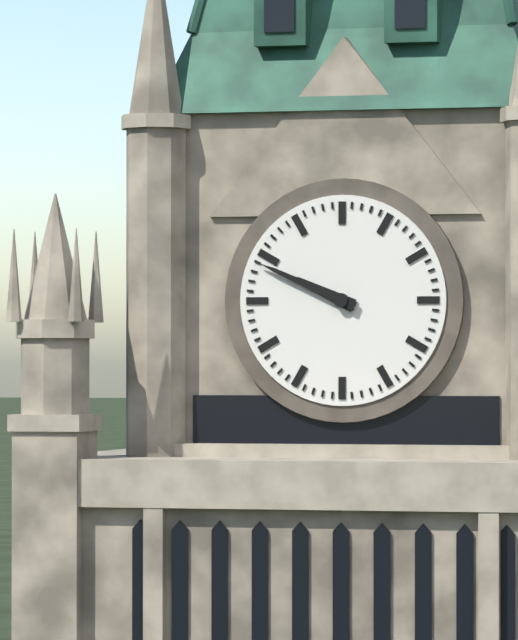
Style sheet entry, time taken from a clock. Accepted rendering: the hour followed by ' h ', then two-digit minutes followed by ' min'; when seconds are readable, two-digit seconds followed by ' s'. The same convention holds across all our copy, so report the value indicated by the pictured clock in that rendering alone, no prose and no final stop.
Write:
9 h 49 min
